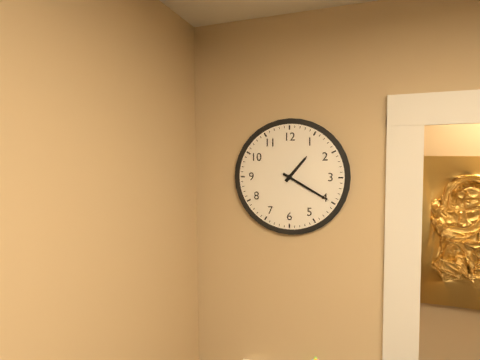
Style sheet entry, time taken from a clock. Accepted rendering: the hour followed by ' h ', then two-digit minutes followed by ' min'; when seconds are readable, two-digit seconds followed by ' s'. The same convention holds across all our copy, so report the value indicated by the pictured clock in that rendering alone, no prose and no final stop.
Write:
1 h 20 min
